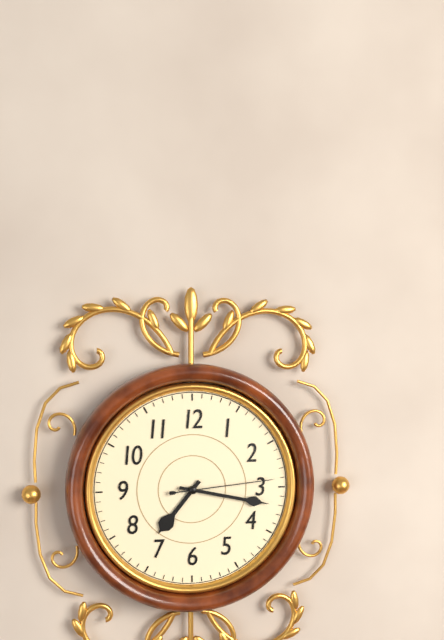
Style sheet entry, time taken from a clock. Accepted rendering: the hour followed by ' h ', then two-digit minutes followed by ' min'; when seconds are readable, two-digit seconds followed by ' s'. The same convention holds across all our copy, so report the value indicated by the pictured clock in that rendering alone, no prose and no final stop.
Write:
7 h 17 min 14 s
